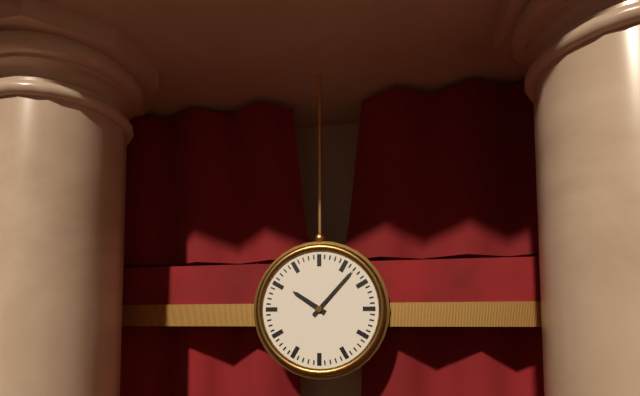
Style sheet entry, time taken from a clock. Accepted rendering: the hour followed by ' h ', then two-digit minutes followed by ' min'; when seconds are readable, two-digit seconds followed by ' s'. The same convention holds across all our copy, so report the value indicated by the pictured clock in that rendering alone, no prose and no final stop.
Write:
10 h 07 min
